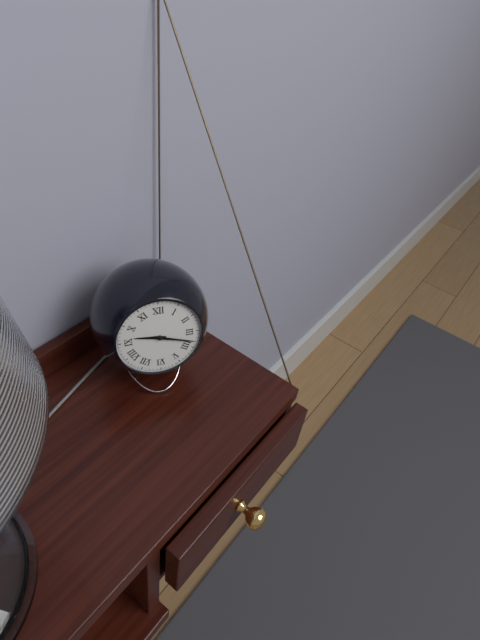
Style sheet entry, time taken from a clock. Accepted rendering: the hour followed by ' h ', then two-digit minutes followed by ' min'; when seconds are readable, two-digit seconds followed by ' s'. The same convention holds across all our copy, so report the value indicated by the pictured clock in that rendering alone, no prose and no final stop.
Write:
9 h 18 min
